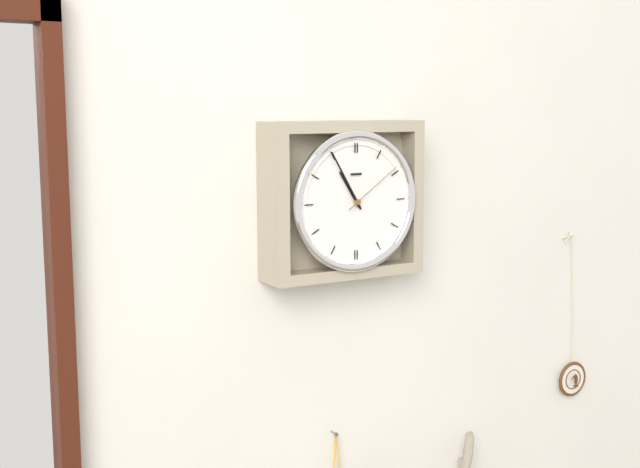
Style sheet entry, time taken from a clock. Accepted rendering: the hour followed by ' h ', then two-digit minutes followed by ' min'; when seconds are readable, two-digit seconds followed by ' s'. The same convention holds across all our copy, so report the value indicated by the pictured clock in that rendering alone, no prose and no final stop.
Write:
10 h 55 min 09 s
